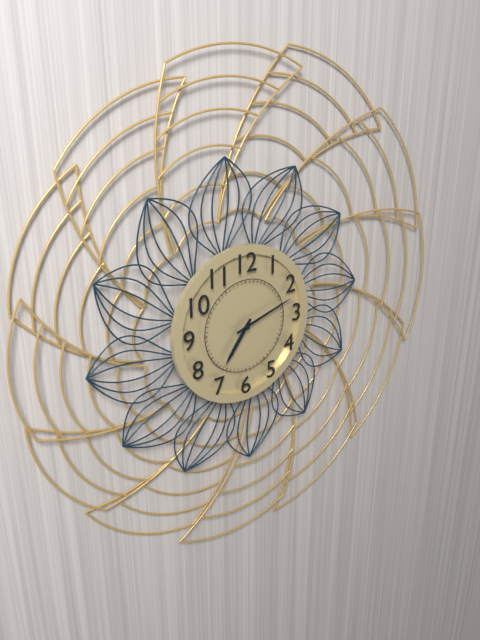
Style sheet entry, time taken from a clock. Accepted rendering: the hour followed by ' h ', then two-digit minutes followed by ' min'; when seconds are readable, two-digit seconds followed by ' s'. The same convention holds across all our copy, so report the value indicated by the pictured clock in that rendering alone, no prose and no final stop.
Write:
7 h 12 min
